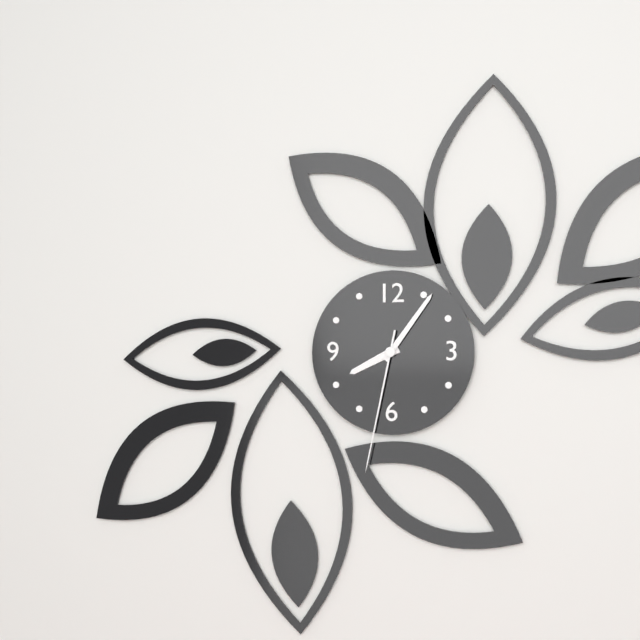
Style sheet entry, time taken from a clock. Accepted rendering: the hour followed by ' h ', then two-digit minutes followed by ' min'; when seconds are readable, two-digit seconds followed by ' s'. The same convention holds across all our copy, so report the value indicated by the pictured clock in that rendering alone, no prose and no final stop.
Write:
8 h 06 min 32 s
